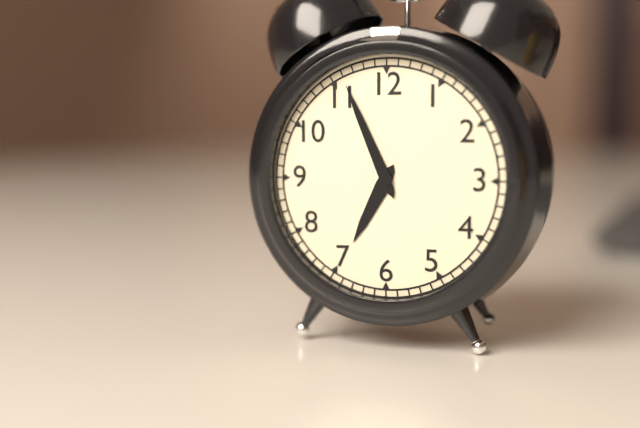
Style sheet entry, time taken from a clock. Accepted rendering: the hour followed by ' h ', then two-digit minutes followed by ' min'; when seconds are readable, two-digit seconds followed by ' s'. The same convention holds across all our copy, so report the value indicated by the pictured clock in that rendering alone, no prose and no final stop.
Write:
6 h 56 min
